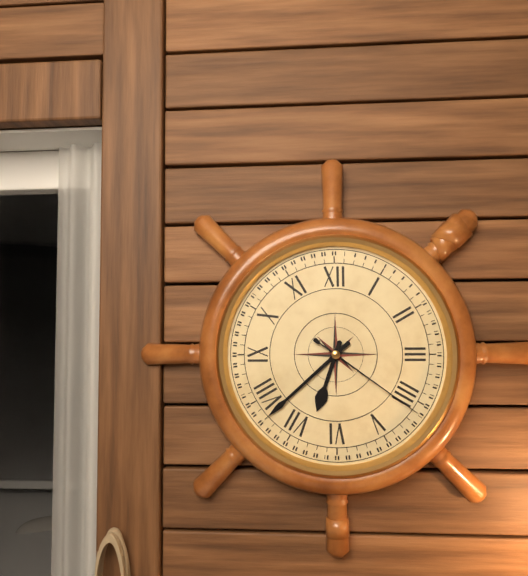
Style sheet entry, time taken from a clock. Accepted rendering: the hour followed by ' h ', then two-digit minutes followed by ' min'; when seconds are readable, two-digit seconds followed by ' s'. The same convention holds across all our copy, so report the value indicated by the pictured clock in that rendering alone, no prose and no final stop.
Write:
6 h 38 min 21 s
